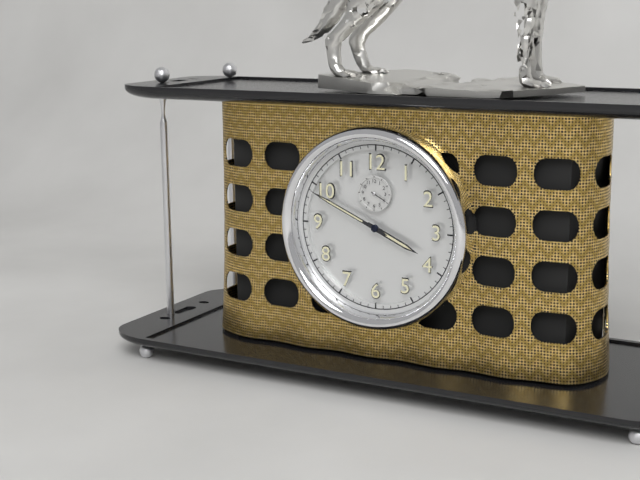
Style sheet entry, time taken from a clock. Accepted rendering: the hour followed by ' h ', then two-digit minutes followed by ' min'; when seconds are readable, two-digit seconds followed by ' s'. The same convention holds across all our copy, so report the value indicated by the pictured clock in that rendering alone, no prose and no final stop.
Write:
3 h 49 min
